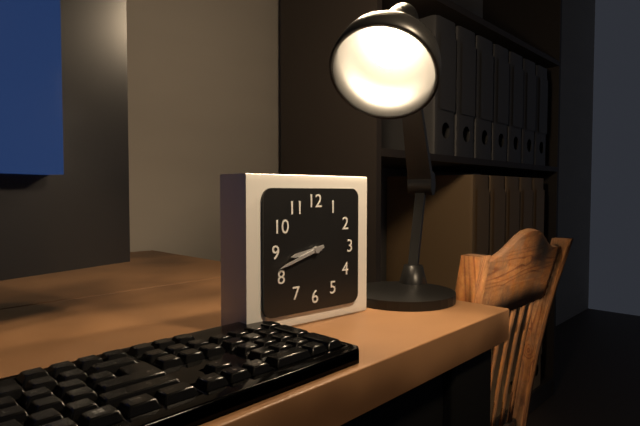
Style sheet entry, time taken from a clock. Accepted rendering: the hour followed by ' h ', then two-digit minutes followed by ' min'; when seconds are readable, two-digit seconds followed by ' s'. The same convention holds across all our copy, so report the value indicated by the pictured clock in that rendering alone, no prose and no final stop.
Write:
8 h 42 min
